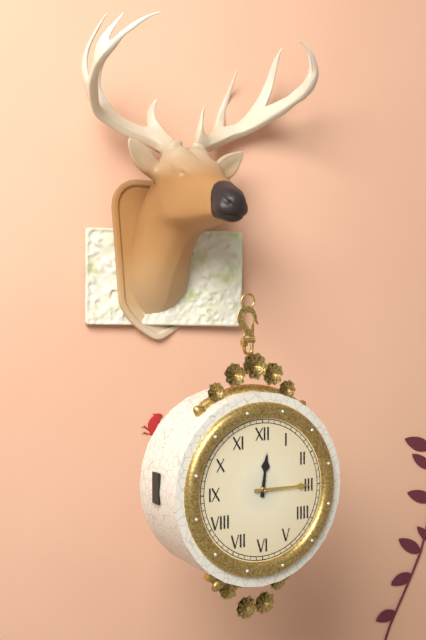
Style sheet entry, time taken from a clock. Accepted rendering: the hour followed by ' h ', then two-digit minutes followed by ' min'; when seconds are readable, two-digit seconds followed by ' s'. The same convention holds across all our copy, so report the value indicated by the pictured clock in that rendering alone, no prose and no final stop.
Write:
12 h 15 min
